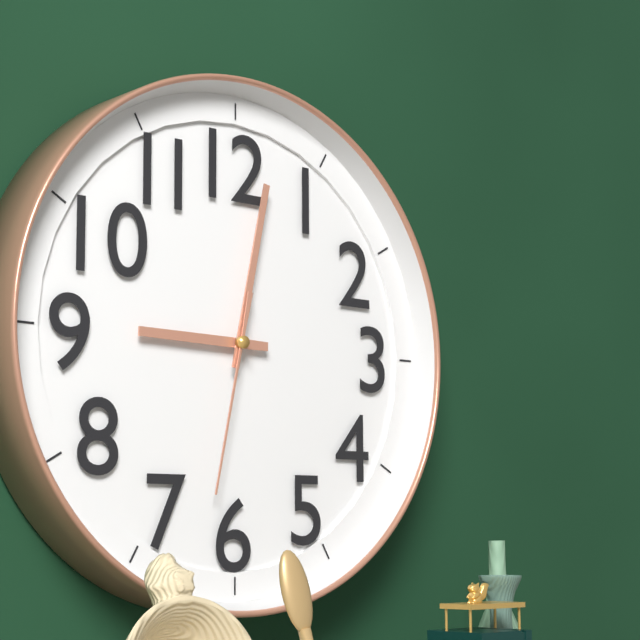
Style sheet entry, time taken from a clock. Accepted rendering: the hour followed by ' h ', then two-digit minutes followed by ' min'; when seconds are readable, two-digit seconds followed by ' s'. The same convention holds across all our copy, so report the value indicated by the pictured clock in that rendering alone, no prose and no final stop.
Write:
9 h 02 min 32 s
